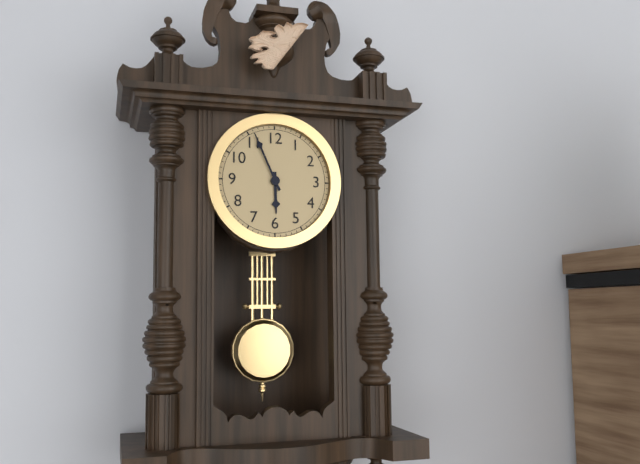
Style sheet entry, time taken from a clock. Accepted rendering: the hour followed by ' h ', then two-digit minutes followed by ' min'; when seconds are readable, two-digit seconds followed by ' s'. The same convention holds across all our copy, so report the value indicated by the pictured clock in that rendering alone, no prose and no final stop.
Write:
5 h 56 min
